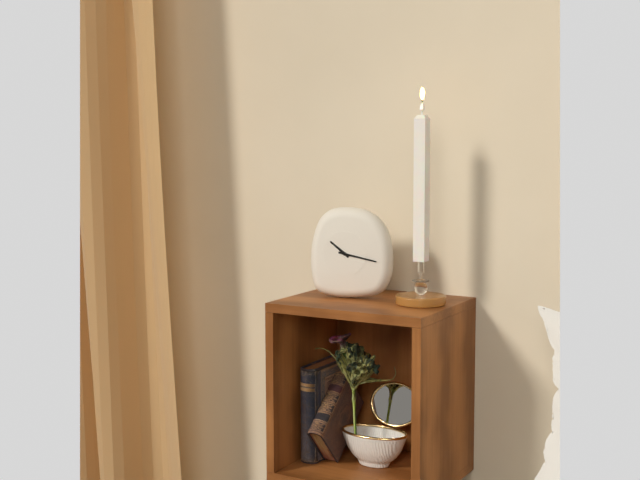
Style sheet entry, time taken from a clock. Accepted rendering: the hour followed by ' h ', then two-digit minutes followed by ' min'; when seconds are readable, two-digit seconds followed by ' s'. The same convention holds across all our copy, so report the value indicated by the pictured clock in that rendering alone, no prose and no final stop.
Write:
10 h 17 min
